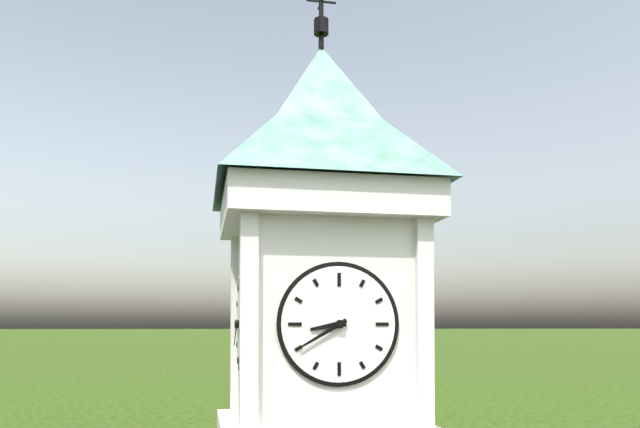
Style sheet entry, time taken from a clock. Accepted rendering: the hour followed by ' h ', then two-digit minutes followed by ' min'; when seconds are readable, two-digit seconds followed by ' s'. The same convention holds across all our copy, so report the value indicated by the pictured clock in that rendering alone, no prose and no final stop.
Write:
8 h 40 min
